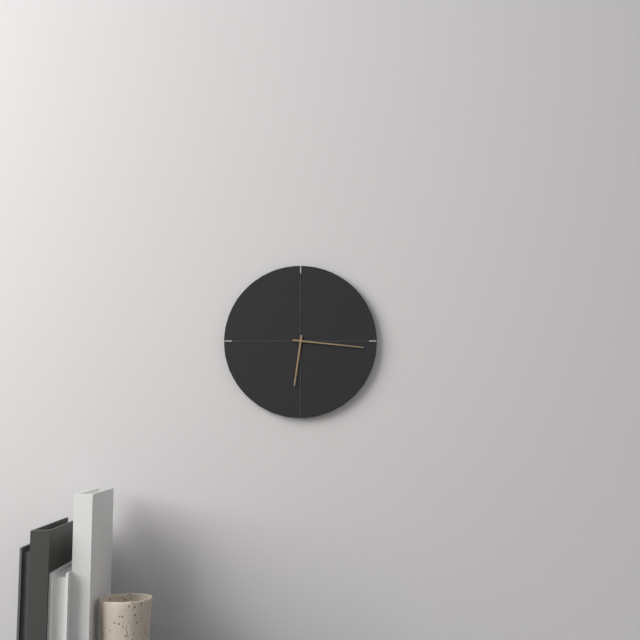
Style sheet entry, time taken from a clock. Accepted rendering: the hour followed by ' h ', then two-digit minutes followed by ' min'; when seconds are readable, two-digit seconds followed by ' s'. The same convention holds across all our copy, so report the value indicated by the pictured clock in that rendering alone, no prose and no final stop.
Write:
6 h 16 min
